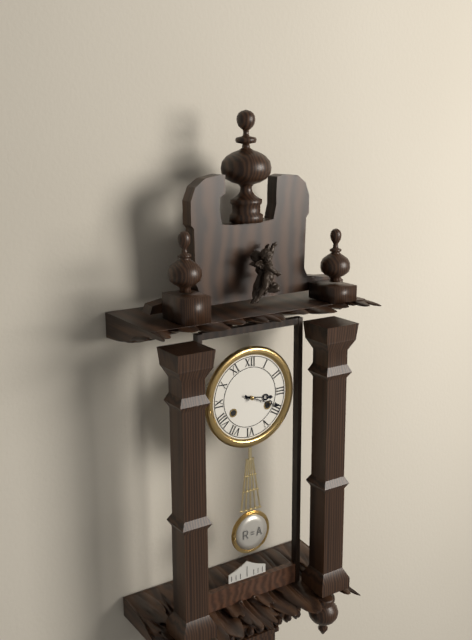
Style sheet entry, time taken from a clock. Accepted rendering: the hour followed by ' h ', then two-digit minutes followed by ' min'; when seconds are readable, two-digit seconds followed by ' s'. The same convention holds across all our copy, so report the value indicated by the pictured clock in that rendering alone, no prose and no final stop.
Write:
3 h 19 min
